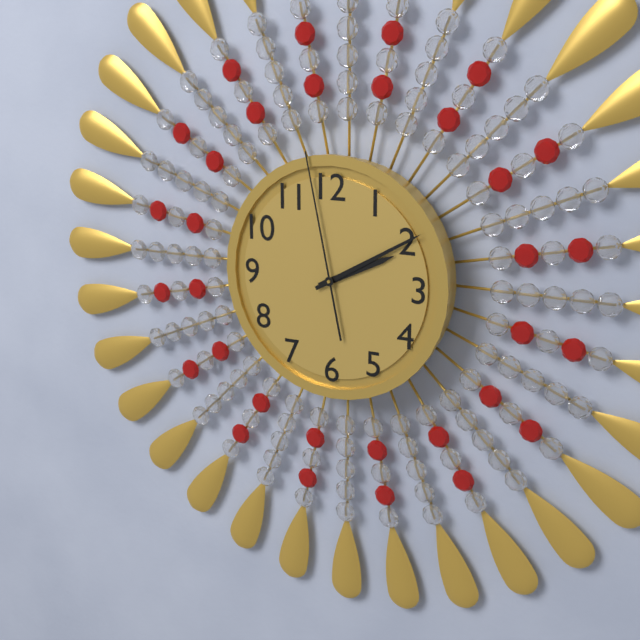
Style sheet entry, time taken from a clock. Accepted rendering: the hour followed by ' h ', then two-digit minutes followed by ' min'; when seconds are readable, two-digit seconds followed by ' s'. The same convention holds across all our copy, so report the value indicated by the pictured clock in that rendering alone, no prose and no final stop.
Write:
2 h 10 min 58 s
